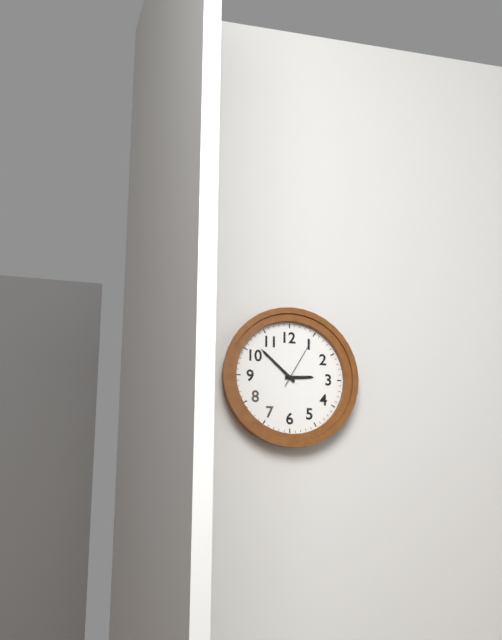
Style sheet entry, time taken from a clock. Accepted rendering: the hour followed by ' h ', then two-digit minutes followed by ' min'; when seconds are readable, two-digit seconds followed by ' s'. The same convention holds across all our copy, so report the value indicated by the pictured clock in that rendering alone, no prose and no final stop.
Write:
2 h 52 min 05 s
